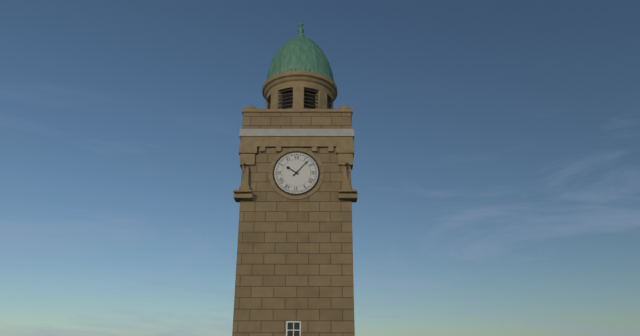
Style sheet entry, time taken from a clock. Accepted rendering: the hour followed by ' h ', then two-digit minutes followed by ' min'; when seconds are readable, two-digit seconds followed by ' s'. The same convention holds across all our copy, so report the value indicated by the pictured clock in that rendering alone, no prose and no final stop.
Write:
10 h 07 min
